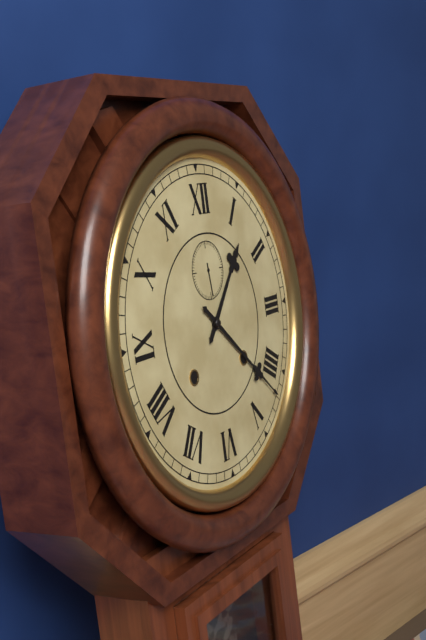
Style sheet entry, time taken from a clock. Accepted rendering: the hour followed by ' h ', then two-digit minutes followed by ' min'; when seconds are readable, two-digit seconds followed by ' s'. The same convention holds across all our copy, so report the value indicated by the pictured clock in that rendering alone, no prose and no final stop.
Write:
1 h 22 min
